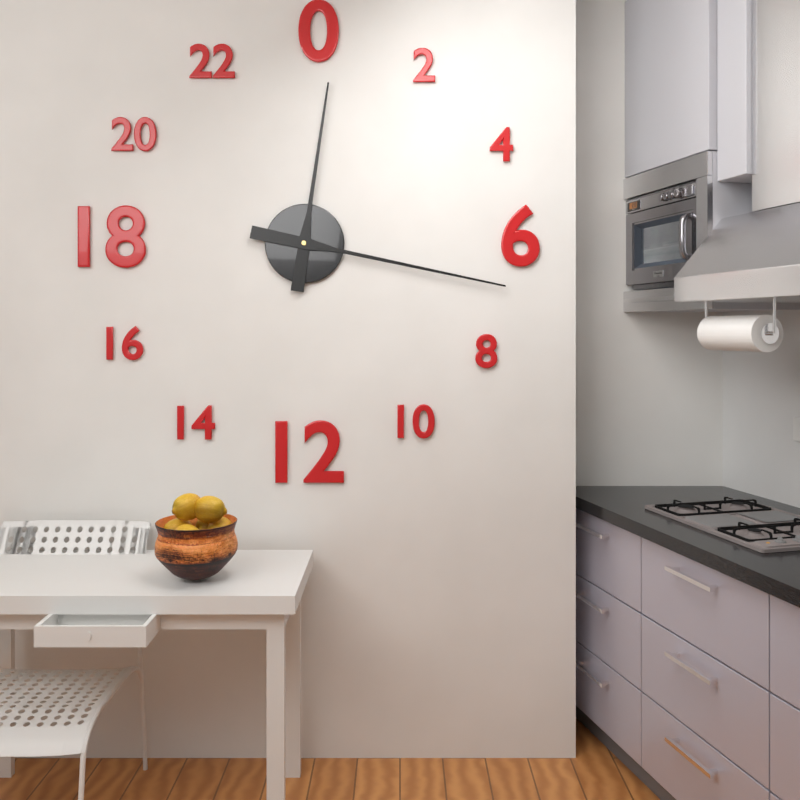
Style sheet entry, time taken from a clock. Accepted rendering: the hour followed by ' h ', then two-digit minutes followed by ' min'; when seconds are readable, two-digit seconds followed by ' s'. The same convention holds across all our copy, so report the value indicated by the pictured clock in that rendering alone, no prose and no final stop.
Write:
12 h 17 min
